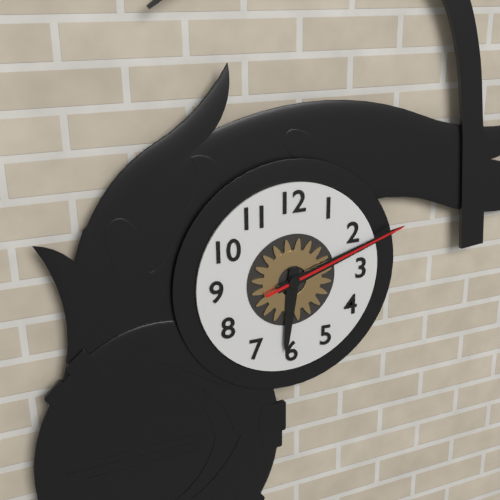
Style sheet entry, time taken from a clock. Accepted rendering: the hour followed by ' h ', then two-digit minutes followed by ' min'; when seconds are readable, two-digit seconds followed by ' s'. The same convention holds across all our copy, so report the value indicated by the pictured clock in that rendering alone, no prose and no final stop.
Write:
6 h 12 min 12 s
